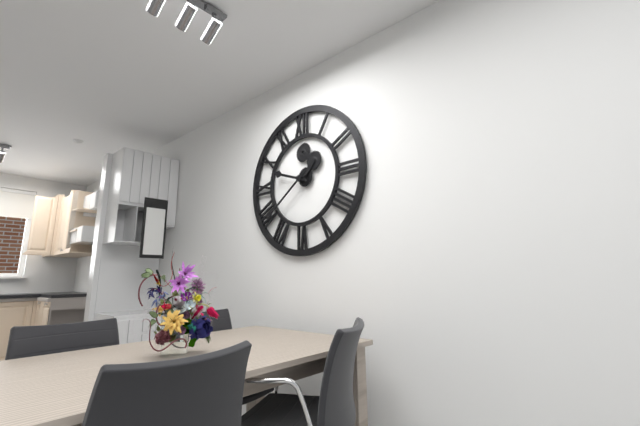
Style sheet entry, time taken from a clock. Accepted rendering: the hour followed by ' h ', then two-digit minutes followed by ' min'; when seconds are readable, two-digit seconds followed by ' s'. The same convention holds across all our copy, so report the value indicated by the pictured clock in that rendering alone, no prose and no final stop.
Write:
9 h 39 min
